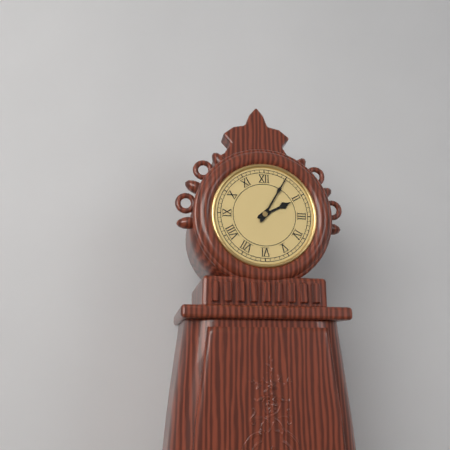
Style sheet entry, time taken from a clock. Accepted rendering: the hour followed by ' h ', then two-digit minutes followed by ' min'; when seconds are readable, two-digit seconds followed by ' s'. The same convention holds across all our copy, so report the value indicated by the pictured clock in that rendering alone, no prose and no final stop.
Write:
2 h 05 min
